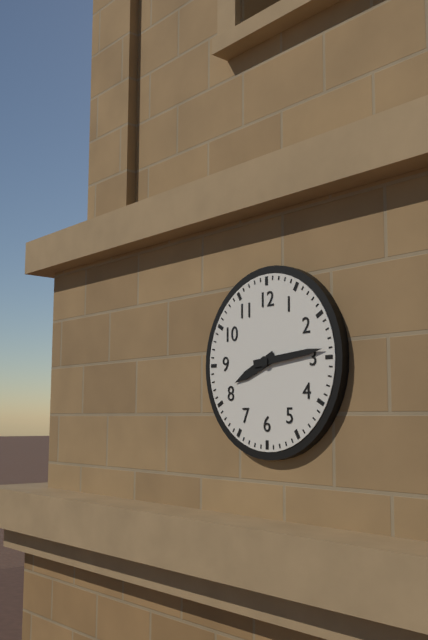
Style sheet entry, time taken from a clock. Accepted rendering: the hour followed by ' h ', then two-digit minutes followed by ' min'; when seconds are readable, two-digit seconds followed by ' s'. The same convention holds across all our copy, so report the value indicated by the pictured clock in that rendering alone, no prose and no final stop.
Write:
8 h 14 min
